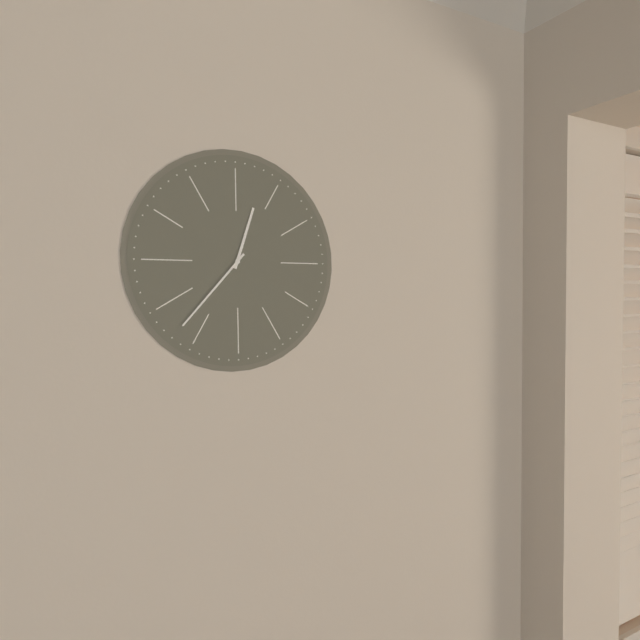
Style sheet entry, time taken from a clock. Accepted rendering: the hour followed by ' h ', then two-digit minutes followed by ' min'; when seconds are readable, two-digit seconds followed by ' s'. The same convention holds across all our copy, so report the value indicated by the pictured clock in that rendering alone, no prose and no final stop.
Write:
12 h 37 min
